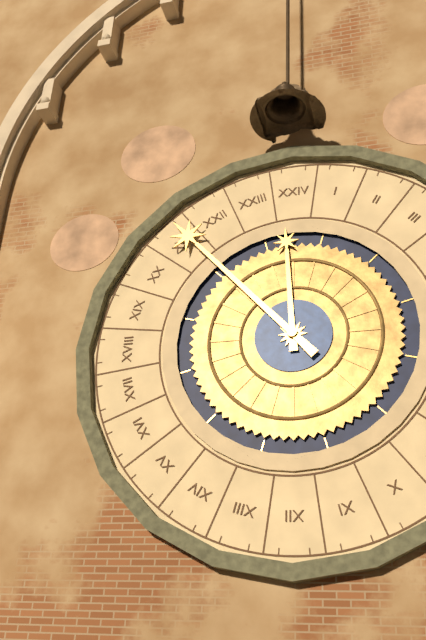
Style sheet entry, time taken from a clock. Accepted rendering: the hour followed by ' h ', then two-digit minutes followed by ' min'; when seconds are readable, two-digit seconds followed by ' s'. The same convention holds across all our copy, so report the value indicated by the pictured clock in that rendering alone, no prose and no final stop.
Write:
11 h 53 min
